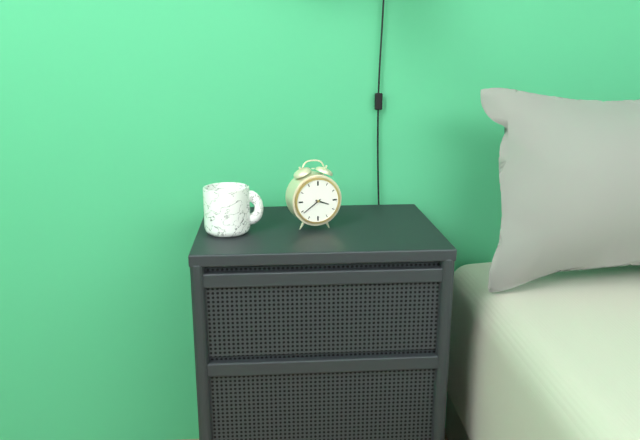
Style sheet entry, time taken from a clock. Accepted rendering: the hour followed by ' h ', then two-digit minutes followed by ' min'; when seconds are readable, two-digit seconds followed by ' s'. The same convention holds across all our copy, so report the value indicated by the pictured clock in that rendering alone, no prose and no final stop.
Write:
3 h 39 min
